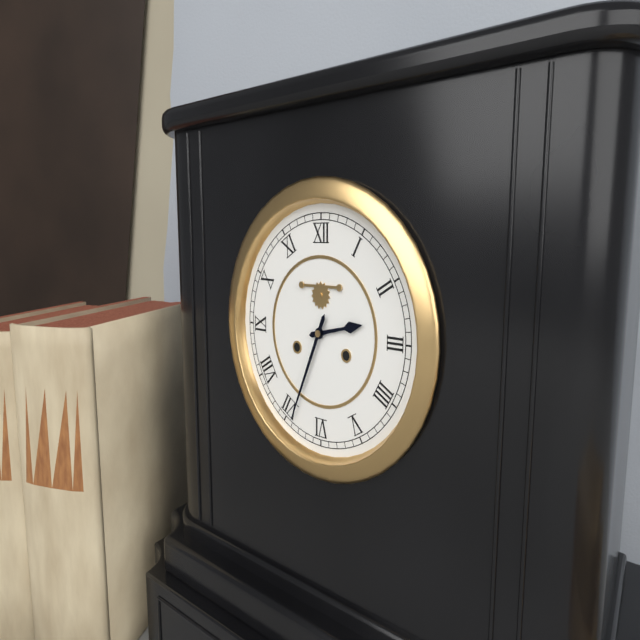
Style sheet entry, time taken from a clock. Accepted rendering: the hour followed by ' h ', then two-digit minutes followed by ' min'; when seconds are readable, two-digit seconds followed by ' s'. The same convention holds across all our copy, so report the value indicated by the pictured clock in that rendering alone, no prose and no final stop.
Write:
2 h 34 min
